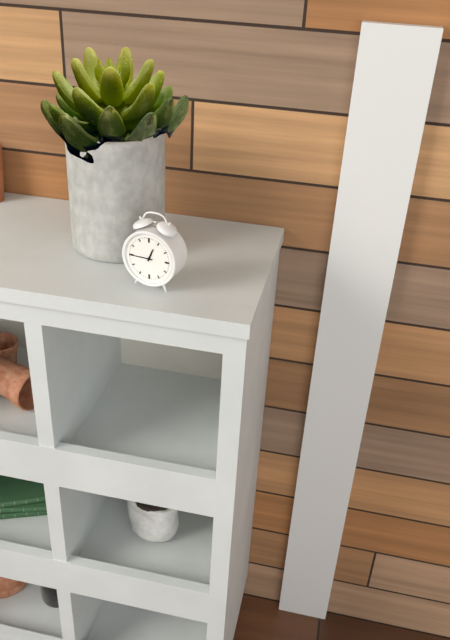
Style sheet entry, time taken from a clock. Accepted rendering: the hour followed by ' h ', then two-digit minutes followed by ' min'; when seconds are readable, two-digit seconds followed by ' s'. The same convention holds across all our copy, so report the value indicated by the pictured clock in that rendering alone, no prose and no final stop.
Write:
12 h 45 min
